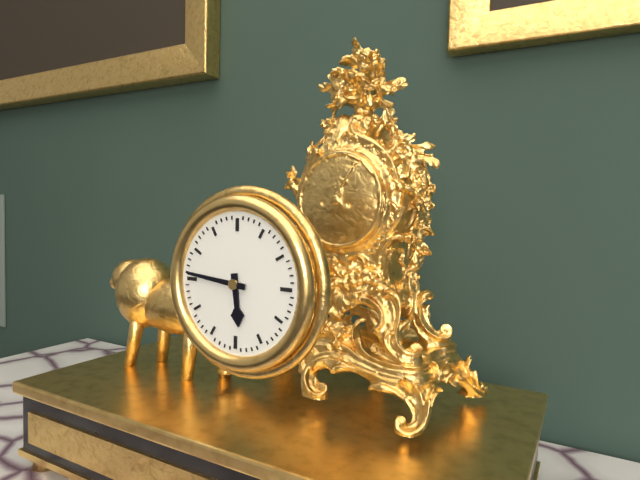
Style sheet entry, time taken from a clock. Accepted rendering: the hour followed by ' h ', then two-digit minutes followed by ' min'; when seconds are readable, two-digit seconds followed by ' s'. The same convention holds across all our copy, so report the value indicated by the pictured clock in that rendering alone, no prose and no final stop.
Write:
5 h 46 min
